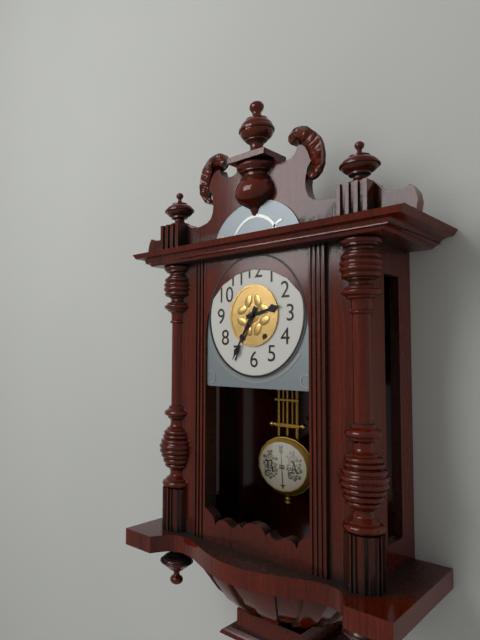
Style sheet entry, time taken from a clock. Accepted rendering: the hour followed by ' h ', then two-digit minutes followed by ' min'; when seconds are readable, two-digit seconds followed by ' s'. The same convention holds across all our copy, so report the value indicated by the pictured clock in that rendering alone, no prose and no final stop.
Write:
2 h 35 min
